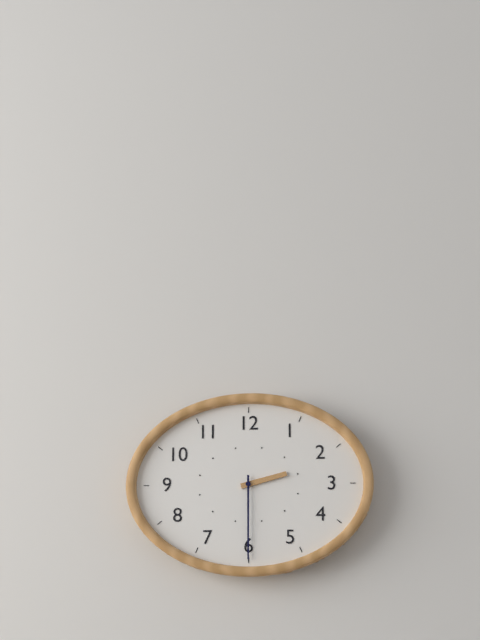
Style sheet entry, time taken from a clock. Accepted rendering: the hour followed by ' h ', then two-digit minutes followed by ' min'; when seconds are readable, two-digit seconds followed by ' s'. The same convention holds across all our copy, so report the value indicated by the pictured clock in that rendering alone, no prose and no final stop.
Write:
2 h 30 min
